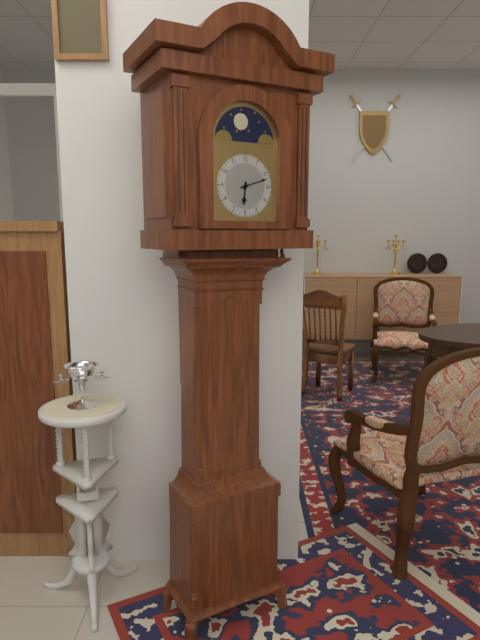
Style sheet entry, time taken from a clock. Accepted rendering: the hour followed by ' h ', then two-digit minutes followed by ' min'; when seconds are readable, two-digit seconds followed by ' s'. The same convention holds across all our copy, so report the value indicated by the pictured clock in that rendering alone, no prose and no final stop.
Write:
6 h 12 min
